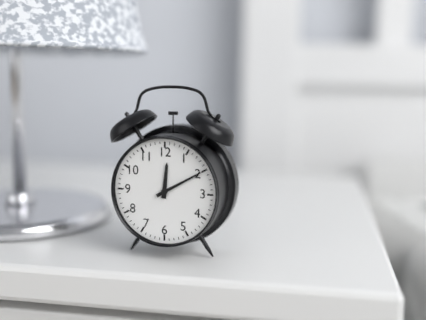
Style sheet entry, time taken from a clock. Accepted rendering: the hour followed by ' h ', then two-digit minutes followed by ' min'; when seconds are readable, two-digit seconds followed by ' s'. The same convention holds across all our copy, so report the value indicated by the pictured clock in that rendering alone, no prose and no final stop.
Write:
12 h 10 min
